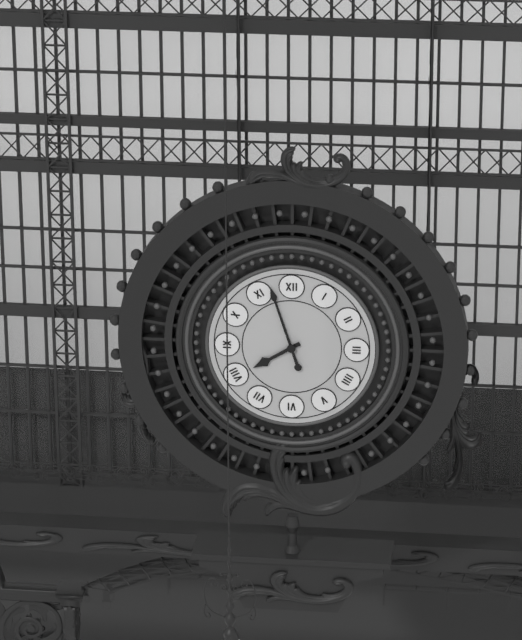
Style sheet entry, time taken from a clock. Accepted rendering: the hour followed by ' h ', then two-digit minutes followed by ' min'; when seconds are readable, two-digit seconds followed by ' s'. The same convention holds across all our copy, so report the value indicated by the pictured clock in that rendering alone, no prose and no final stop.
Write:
7 h 57 min
